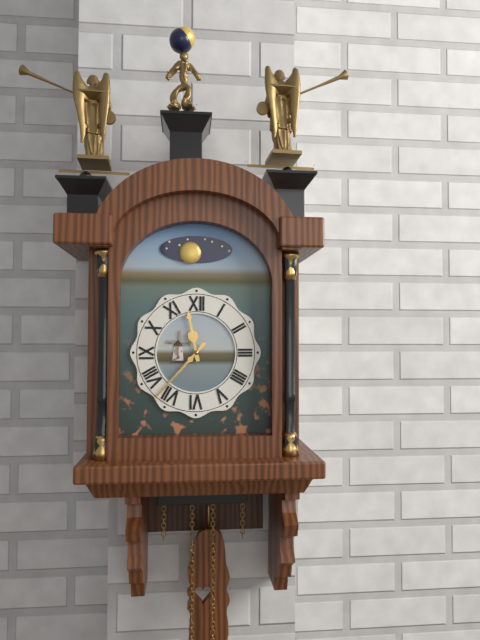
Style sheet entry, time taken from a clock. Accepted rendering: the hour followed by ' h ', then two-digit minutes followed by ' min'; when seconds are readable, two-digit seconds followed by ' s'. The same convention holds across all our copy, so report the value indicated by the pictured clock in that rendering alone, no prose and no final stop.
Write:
11 h 37 min
